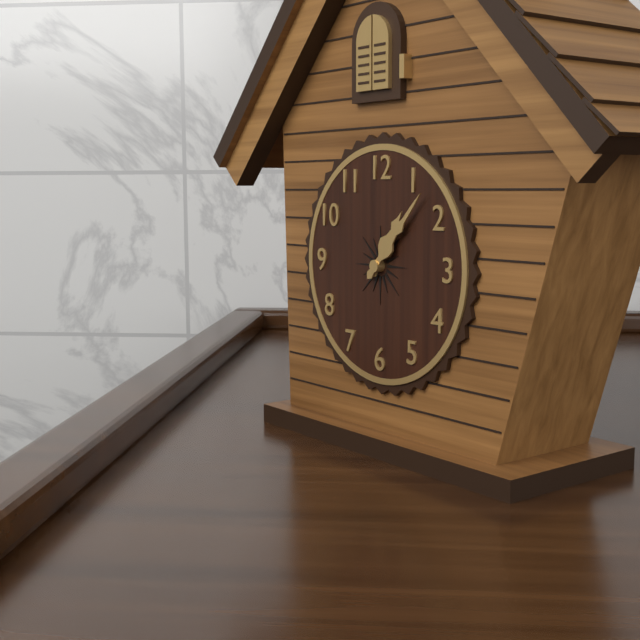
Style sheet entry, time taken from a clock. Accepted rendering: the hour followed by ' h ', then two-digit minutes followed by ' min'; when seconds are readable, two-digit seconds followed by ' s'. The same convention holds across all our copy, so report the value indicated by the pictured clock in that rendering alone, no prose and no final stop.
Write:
1 h 07 min
